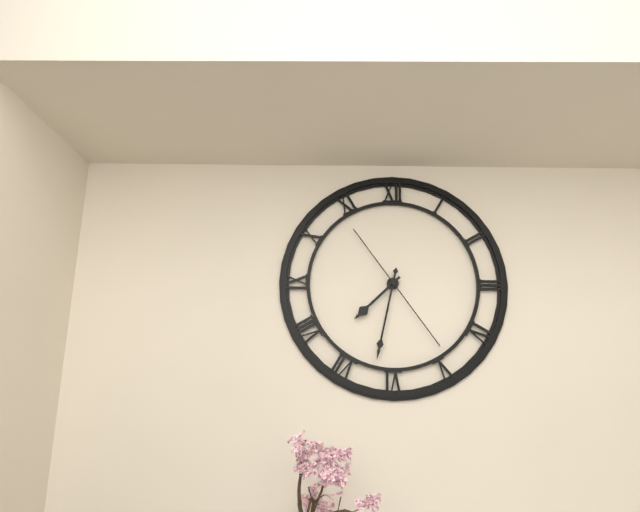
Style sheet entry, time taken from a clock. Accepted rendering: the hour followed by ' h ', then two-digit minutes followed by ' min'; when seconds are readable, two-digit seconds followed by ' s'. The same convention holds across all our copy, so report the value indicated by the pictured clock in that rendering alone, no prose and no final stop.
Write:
7 h 32 min 24 s
